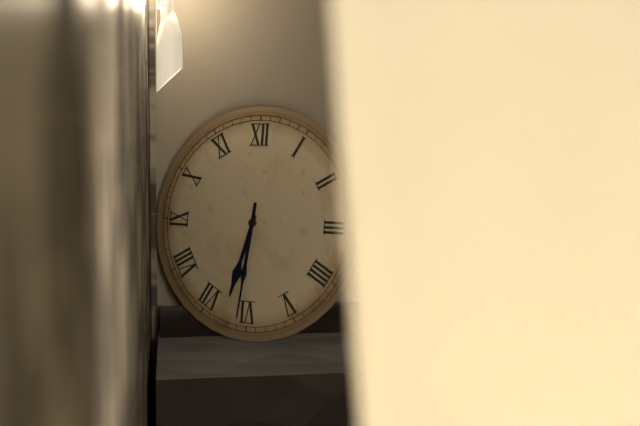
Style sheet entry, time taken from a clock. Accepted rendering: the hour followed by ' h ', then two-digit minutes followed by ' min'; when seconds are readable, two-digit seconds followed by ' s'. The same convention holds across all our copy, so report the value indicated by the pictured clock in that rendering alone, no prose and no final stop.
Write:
6 h 31 min
